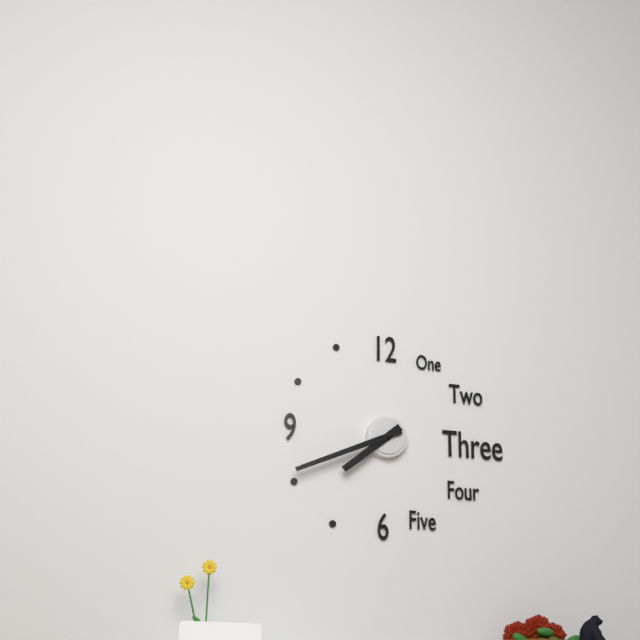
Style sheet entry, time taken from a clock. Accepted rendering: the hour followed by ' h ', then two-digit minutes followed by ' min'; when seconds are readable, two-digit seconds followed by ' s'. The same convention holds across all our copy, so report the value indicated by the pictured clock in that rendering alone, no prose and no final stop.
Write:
7 h 41 min
